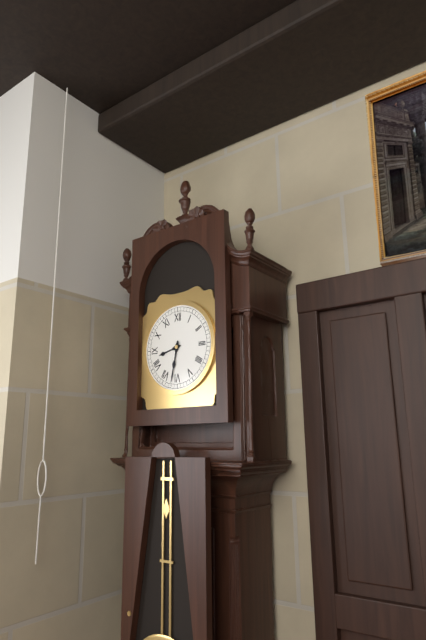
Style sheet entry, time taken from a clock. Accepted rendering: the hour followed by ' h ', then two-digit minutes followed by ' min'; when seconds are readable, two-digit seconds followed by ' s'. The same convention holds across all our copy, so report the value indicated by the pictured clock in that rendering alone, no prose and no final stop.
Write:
8 h 32 min
